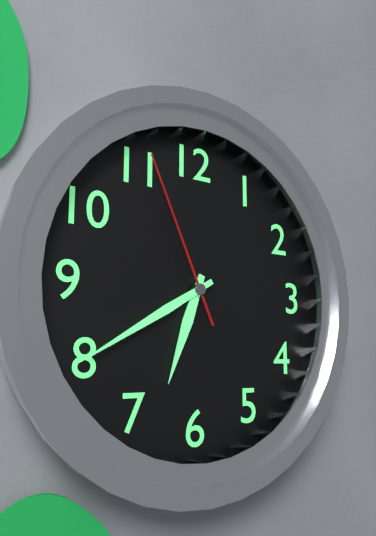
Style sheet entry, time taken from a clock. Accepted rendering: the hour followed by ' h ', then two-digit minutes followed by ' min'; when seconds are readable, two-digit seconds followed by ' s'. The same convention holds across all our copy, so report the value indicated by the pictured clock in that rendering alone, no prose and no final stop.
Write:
6 h 40 min 56 s
